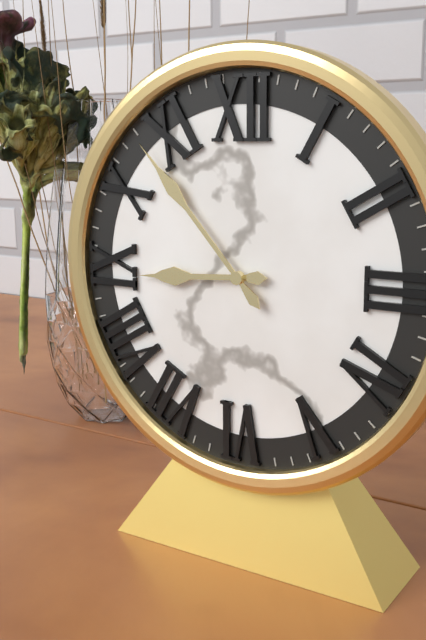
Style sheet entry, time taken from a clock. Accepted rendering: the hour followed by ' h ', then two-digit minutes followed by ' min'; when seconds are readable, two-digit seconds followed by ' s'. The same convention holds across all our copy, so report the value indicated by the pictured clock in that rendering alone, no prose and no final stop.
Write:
8 h 53 min
